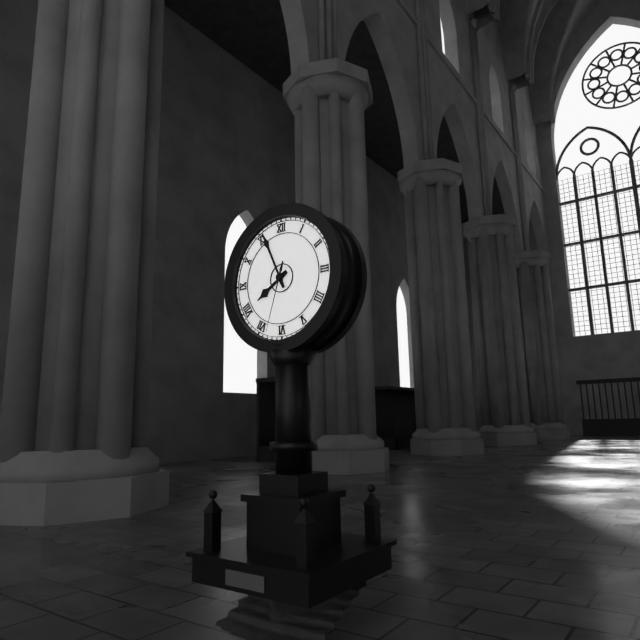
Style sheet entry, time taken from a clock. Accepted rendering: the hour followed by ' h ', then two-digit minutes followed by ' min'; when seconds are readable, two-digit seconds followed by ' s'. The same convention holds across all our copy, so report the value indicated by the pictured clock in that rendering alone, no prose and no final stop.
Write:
7 h 56 min 33 s
